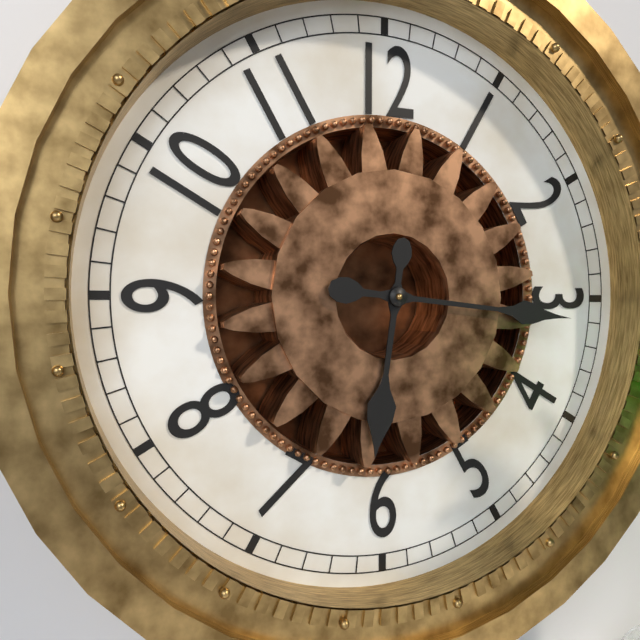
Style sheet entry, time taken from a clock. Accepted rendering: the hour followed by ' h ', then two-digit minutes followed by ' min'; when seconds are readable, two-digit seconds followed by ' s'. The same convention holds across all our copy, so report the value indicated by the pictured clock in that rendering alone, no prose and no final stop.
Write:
6 h 16 min
